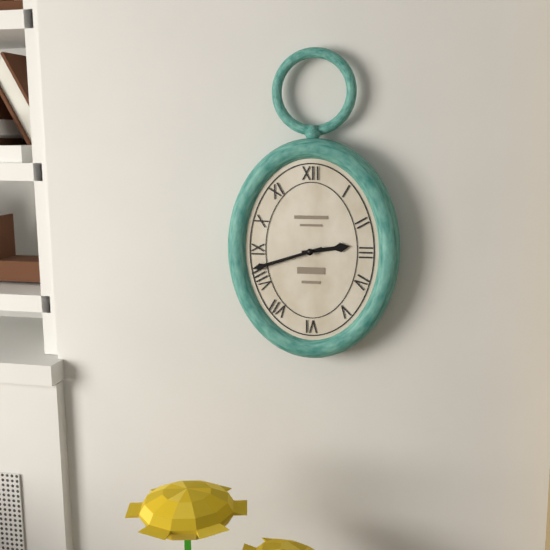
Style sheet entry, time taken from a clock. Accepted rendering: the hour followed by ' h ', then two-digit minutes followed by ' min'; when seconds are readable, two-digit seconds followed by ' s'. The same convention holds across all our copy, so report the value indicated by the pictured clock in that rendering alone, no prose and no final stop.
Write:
2 h 42 min
